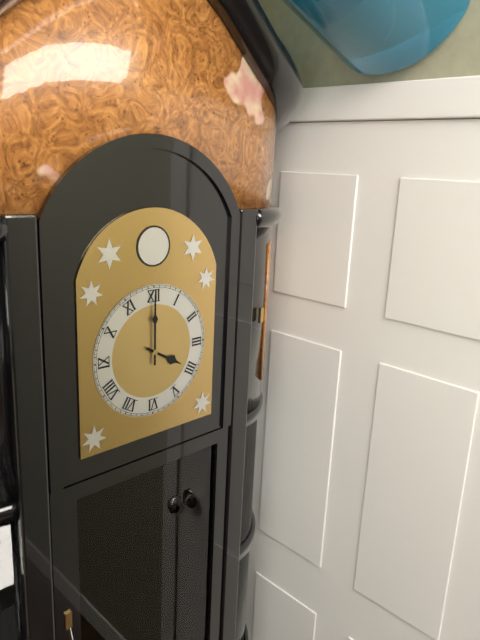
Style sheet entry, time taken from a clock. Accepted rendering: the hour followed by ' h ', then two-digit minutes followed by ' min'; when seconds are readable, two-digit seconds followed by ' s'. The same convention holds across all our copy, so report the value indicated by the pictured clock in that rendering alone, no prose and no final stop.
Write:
4 h 00 min
